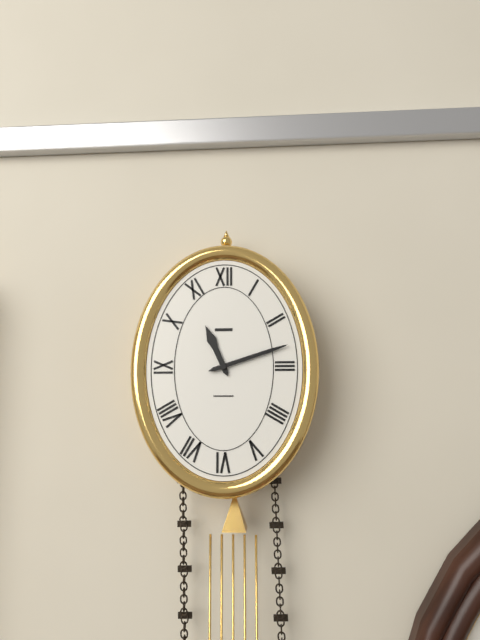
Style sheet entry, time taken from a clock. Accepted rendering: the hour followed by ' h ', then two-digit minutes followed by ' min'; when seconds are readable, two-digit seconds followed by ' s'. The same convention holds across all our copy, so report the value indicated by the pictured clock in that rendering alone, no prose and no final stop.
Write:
11 h 12 min
